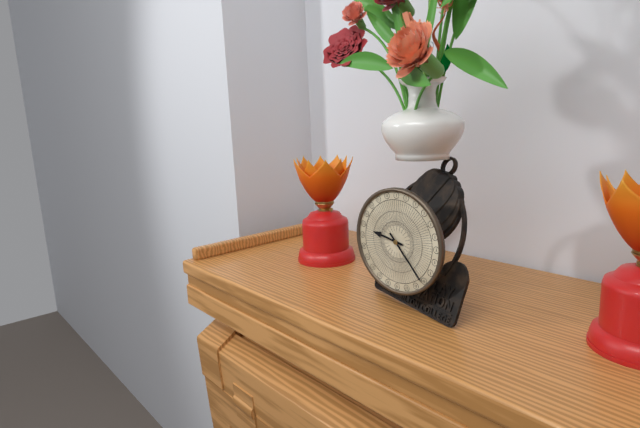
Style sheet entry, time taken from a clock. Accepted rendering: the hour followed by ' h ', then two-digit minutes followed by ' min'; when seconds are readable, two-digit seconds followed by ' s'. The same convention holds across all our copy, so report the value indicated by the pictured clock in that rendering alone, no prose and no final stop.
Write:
9 h 23 min
